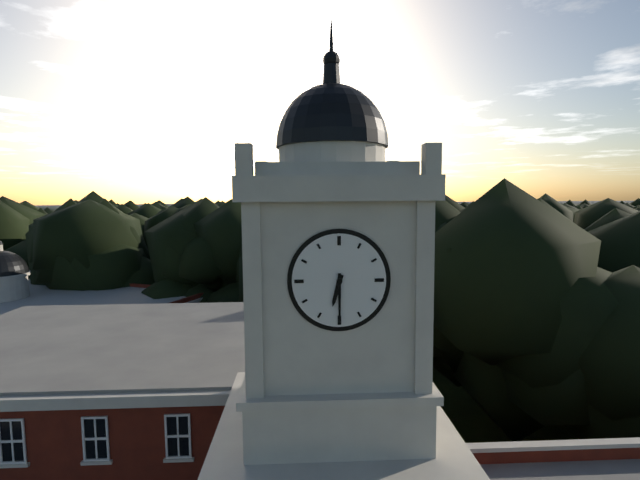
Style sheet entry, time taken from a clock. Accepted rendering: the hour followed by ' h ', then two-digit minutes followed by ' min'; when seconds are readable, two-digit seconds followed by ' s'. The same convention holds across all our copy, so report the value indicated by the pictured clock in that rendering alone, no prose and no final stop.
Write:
6 h 30 min
